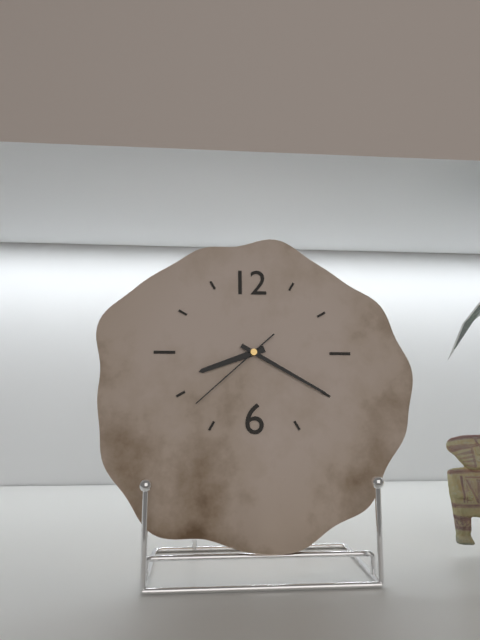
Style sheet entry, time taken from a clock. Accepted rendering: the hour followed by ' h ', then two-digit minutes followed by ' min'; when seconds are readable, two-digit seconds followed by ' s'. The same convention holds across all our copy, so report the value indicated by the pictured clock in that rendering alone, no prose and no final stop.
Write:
8 h 20 min 38 s
